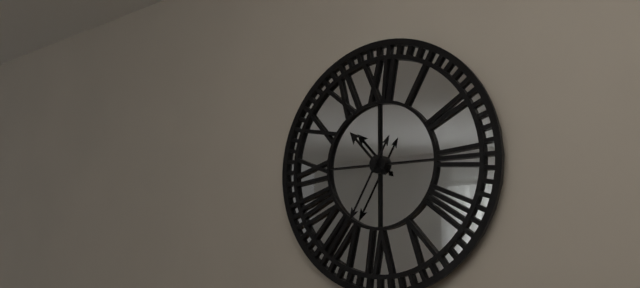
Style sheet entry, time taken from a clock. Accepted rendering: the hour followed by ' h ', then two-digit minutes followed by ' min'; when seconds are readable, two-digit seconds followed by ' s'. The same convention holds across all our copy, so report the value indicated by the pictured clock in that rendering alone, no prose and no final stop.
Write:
10 h 35 min
